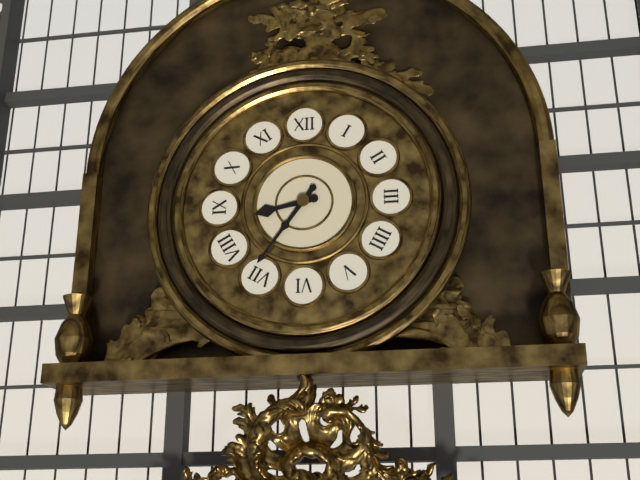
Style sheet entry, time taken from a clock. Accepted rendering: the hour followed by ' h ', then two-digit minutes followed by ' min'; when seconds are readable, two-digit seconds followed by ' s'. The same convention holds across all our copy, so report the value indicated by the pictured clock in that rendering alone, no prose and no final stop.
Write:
8 h 36 min
